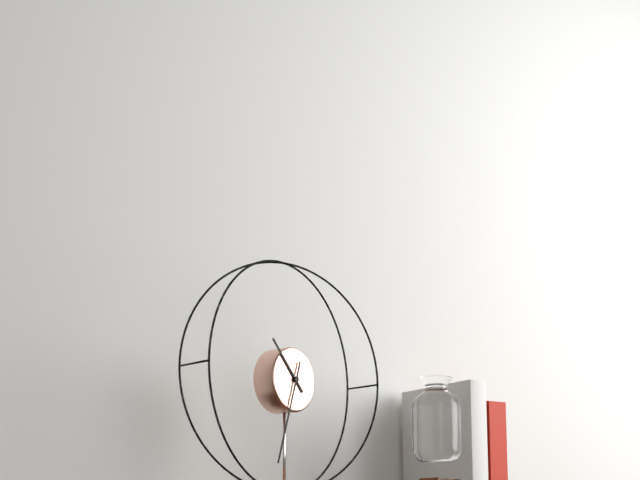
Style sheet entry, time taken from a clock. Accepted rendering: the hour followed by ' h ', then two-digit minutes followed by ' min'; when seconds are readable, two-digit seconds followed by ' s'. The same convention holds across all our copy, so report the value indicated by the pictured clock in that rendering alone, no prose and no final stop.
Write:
10 h 33 min
